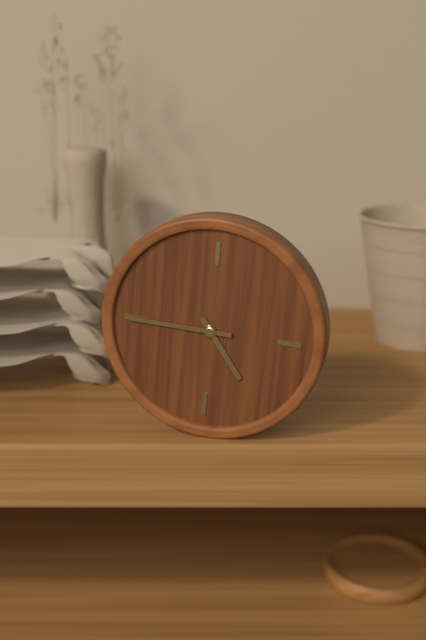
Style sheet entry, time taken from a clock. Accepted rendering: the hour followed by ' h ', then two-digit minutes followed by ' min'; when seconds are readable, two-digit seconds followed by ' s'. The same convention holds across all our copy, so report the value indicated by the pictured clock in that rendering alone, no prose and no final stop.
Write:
4 h 45 min
